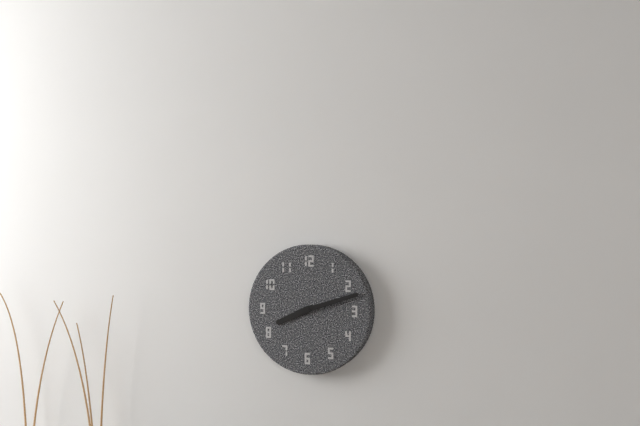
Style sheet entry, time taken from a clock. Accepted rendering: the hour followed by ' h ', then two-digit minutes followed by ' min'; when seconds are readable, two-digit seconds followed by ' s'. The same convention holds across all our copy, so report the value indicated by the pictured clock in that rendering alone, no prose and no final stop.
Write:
8 h 12 min
